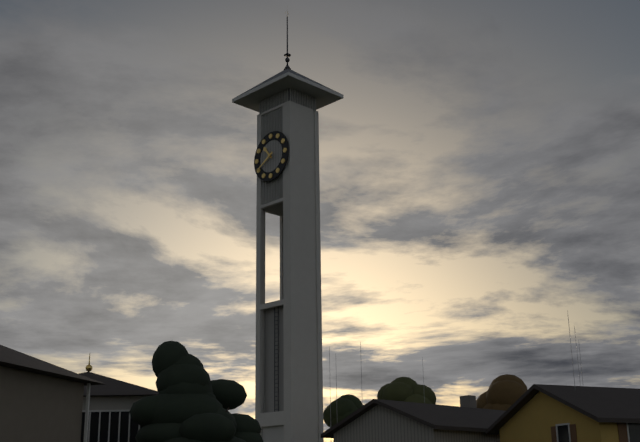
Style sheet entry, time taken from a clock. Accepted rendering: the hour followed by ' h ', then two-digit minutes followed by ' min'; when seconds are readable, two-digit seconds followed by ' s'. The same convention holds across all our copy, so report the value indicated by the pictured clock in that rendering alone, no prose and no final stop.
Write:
10 h 40 min
